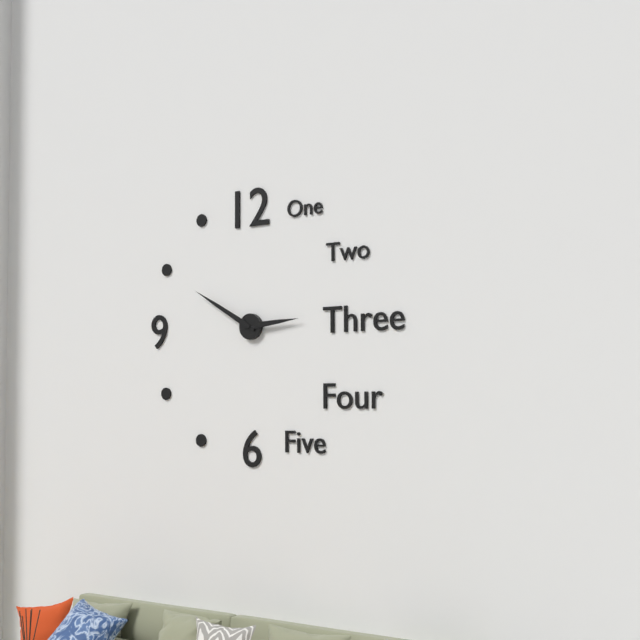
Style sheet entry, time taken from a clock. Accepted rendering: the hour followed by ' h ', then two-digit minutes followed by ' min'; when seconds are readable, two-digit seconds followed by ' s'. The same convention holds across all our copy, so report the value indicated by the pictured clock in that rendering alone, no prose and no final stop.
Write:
2 h 50 min
